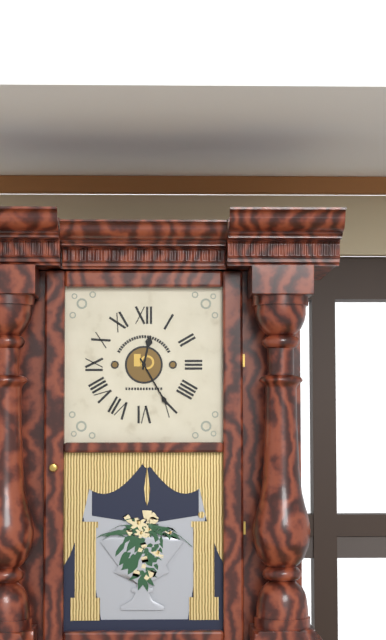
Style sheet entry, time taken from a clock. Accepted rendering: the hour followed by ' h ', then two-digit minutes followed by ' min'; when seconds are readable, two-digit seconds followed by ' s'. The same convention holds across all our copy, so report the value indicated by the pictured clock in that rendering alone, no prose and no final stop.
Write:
12 h 25 min
